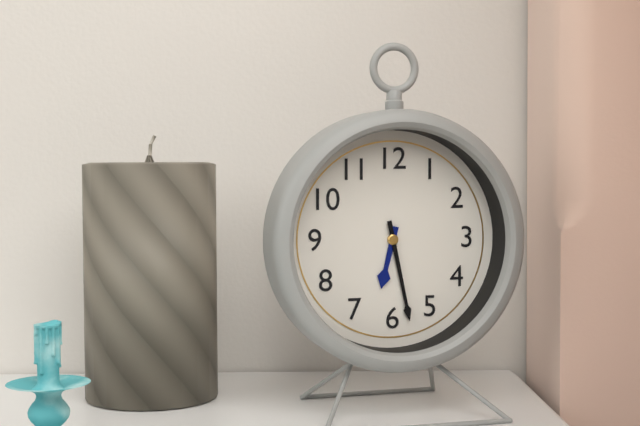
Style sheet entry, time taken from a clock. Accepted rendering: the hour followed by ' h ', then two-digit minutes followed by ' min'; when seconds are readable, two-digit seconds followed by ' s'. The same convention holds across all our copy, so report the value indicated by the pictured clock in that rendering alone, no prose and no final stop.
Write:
6 h 28 min
